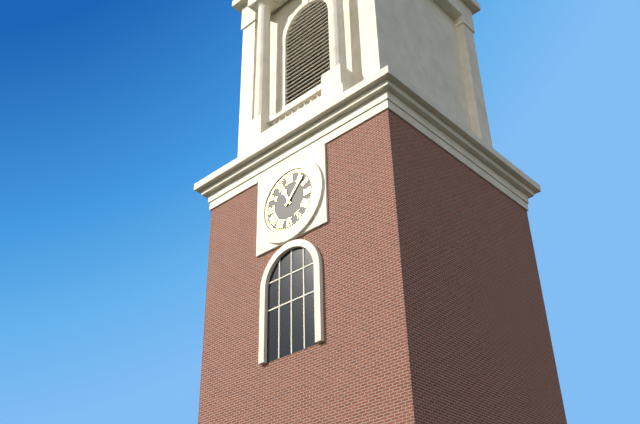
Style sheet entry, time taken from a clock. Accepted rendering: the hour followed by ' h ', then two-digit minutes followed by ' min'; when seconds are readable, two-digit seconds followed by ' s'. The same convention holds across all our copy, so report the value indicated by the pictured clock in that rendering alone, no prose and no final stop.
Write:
11 h 07 min
